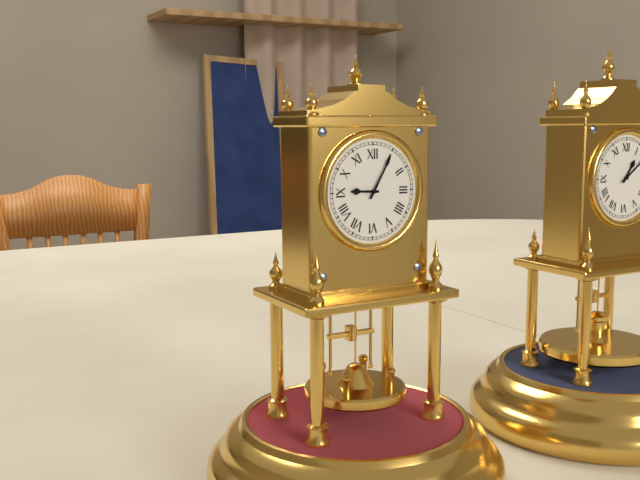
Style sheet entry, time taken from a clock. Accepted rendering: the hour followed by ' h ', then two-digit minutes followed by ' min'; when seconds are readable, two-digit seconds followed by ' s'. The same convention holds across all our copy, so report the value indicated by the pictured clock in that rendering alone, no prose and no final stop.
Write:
9 h 05 min
